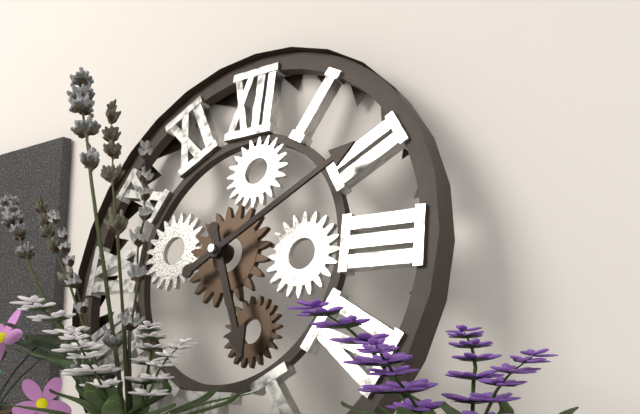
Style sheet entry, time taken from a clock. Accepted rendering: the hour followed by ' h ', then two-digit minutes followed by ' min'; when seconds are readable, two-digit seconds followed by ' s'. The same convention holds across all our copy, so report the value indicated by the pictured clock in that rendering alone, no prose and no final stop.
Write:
5 h 10 min
